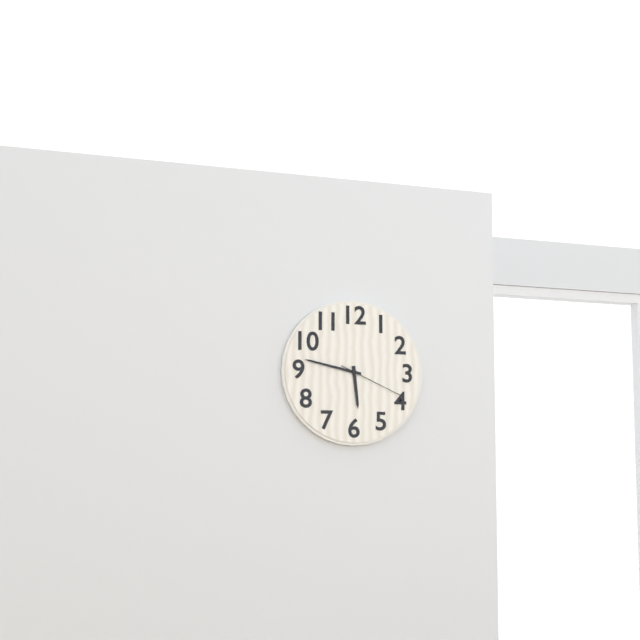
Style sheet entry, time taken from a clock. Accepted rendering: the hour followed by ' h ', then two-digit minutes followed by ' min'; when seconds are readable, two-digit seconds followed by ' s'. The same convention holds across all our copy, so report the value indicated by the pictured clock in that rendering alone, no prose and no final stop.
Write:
5 h 47 min 19 s
